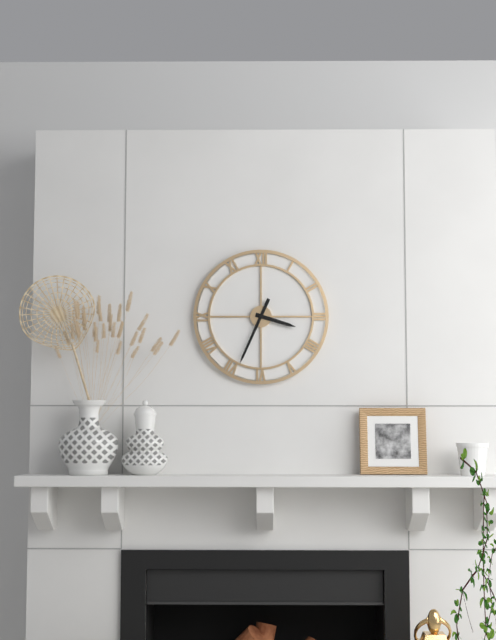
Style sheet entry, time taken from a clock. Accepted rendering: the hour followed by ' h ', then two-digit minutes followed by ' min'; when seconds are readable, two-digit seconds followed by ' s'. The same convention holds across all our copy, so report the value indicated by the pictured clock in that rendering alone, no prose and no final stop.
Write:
3 h 34 min
